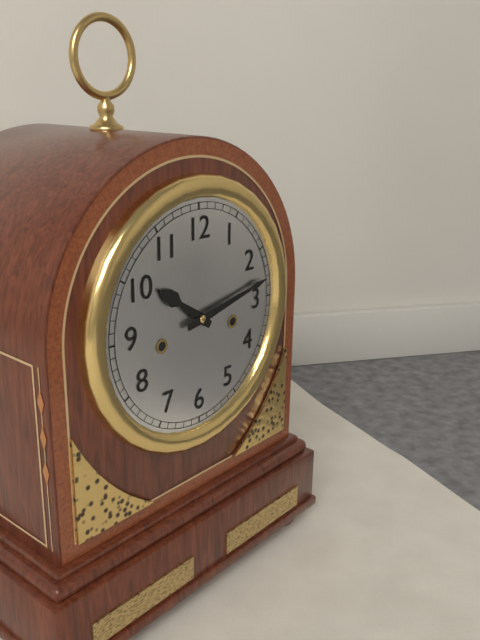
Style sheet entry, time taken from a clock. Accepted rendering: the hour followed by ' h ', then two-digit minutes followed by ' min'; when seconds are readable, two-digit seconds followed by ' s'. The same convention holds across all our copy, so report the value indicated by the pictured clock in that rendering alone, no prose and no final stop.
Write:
10 h 13 min
